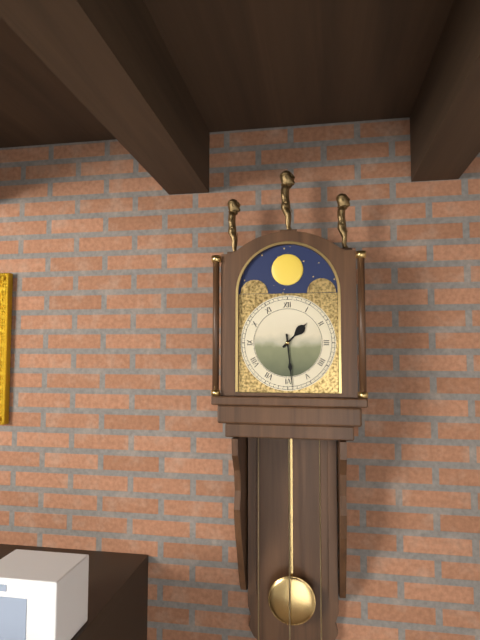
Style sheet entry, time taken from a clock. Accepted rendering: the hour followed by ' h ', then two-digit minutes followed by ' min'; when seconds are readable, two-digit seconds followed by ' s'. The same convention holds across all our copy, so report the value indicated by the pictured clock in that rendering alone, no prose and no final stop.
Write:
1 h 29 min
